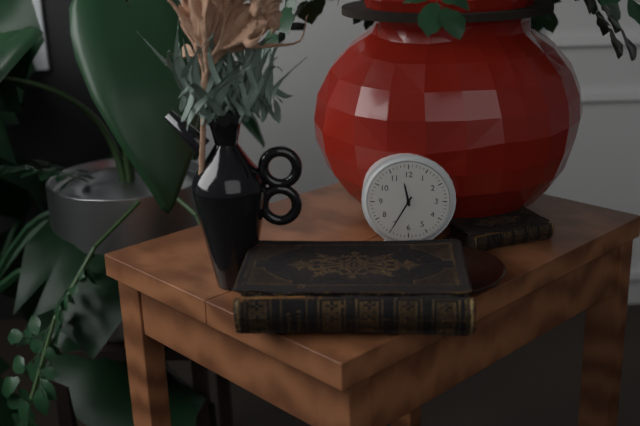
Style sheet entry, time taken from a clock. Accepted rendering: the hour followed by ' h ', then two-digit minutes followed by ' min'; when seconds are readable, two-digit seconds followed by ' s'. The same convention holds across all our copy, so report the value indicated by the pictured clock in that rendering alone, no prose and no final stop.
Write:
11 h 35 min
